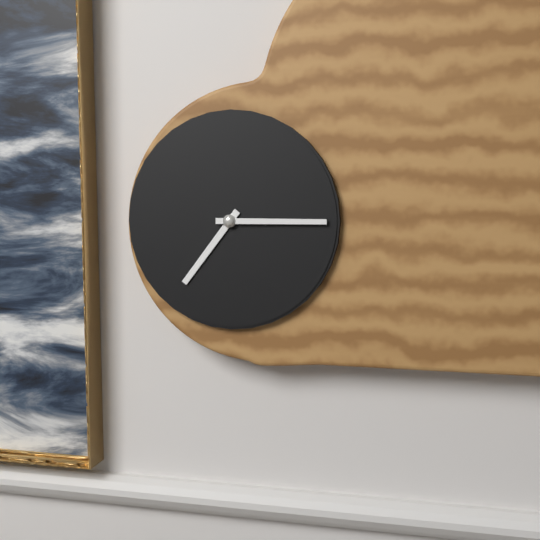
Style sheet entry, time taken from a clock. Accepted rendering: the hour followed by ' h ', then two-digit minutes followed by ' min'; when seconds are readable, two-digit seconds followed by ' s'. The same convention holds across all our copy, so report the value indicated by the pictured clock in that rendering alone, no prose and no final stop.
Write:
7 h 15 min
